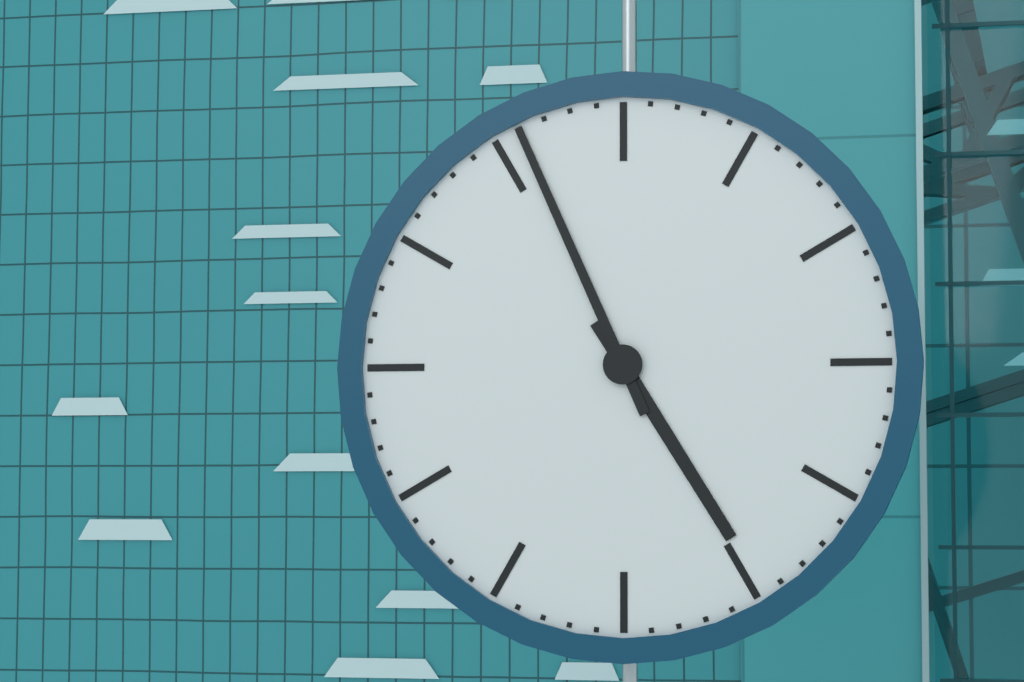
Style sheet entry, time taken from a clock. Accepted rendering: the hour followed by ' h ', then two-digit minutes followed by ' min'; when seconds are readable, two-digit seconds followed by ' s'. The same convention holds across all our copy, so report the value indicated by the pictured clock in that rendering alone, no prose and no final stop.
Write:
4 h 56 min
